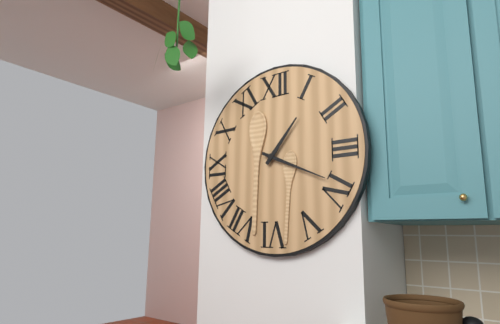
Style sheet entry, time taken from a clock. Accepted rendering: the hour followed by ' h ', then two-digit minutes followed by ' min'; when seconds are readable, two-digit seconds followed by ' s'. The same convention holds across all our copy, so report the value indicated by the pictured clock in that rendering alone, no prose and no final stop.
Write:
1 h 19 min
